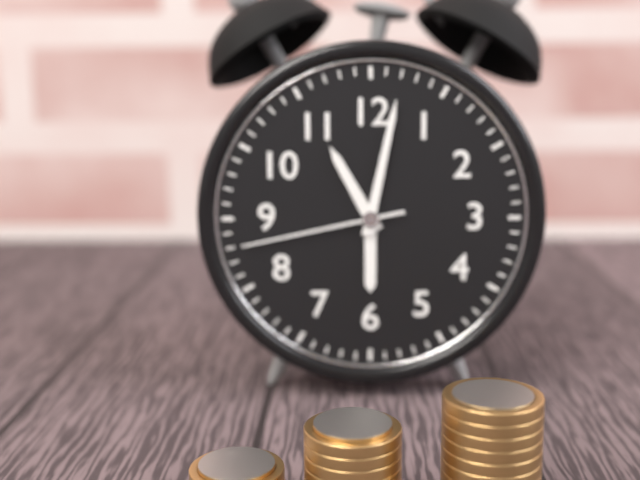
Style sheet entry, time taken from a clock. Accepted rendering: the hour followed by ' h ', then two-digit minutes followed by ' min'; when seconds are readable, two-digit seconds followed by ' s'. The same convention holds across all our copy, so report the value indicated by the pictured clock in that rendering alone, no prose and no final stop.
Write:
11 h 02 min 43 s
